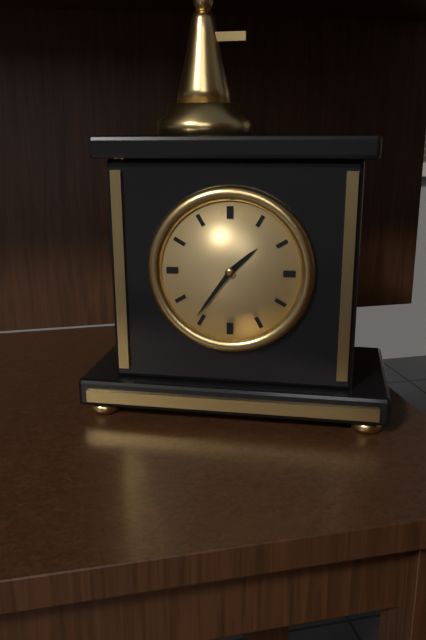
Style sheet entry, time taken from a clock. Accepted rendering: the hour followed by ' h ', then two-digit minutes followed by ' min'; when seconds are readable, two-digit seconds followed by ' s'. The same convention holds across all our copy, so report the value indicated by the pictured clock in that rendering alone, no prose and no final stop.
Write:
1 h 36 min
